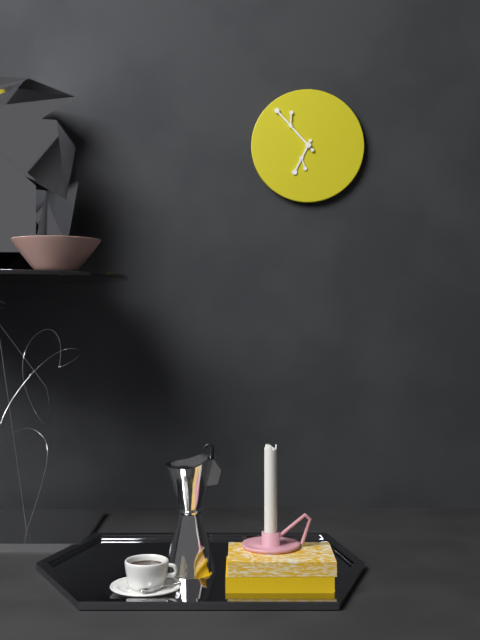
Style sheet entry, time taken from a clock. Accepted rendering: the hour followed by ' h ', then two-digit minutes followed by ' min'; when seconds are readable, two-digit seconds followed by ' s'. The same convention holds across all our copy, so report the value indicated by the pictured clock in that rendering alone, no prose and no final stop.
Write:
6 h 53 min
